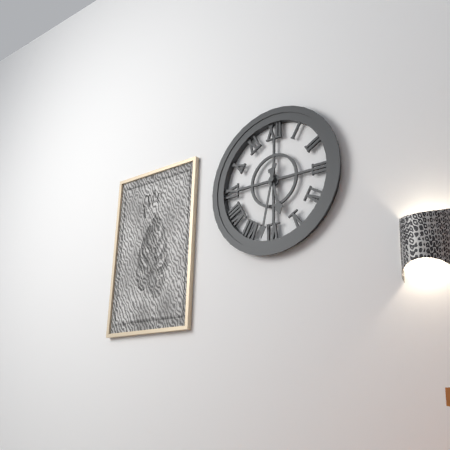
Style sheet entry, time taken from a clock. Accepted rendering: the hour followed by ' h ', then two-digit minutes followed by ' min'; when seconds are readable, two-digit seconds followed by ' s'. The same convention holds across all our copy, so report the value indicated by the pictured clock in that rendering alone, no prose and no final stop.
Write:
5 h 32 min
